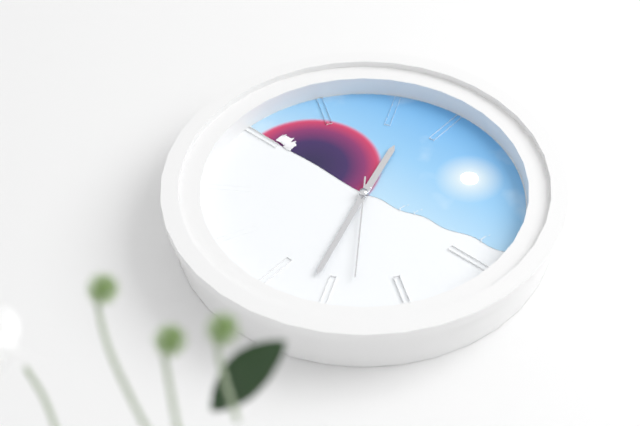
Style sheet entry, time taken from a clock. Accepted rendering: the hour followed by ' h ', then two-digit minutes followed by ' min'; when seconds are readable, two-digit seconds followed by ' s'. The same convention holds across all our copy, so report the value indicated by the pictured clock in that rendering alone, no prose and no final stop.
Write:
11 h 27 min 24 s
